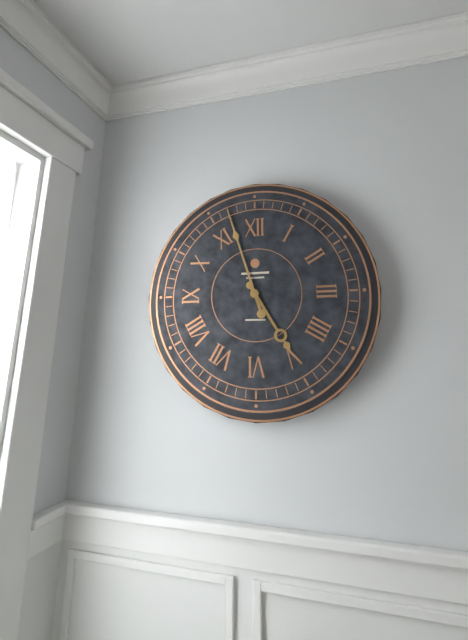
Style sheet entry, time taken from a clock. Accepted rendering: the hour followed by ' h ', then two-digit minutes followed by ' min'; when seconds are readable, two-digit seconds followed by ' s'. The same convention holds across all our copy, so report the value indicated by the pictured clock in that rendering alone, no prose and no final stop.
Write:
4 h 57 min
